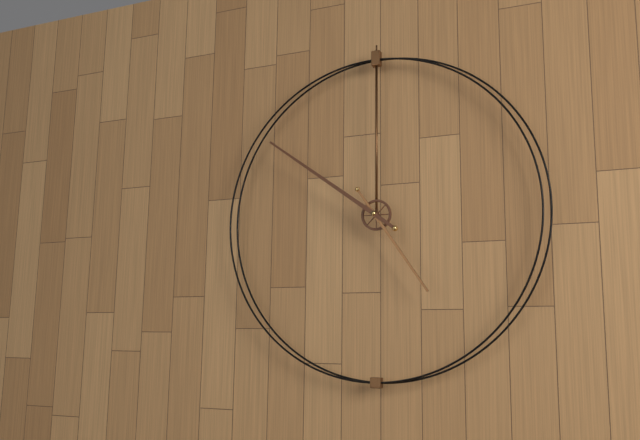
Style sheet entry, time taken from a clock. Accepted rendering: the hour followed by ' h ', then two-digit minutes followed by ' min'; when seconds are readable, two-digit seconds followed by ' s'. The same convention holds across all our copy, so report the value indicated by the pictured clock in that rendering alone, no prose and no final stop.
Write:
4 h 51 min
